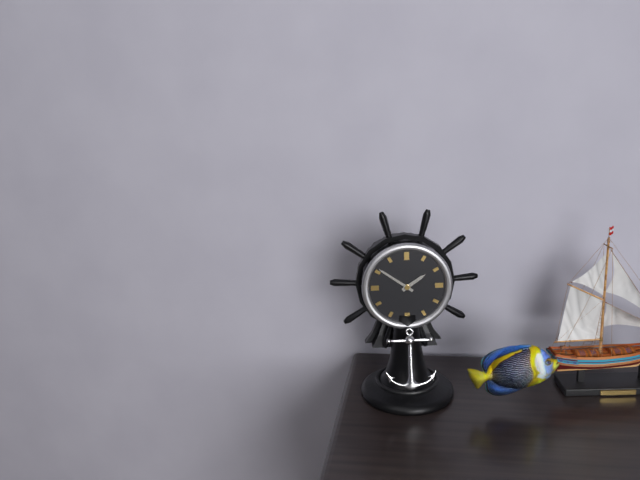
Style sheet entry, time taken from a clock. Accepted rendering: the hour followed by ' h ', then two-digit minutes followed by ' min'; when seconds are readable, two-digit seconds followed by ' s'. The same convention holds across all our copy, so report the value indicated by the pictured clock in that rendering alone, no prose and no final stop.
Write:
1 h 51 min
